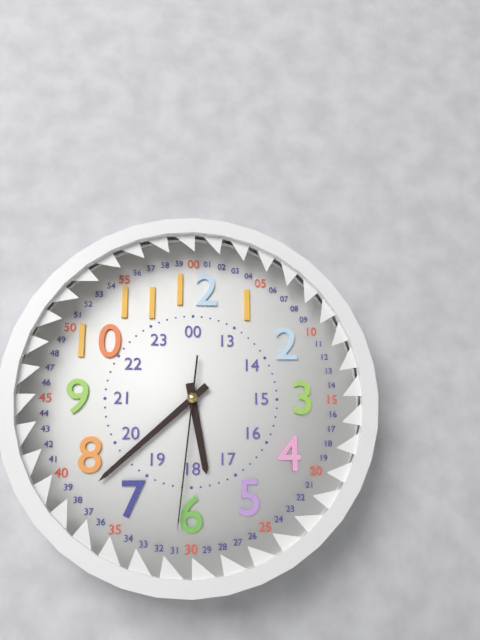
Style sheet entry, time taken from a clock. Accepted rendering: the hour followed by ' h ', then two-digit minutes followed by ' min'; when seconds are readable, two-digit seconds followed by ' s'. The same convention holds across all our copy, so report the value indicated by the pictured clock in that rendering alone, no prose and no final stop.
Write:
5 h 38 min 31 s
